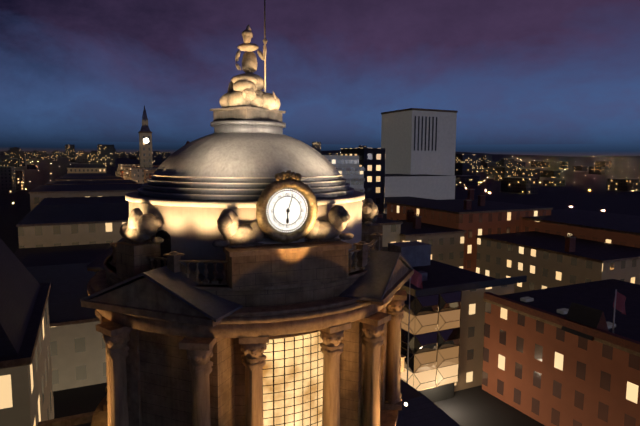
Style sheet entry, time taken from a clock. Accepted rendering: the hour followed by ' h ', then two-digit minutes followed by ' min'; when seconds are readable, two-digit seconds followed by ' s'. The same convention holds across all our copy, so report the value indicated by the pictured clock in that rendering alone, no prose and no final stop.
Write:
6 h 03 min
